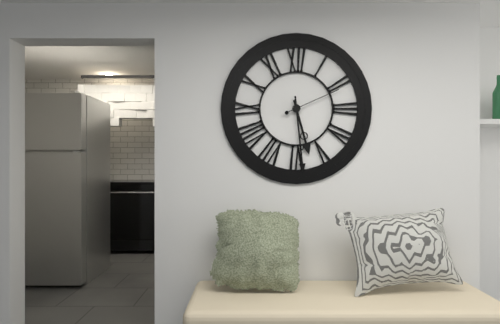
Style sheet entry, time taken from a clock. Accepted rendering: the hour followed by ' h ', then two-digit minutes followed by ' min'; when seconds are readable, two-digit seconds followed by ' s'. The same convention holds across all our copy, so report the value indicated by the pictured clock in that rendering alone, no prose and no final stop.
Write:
5 h 29 min 11 s
